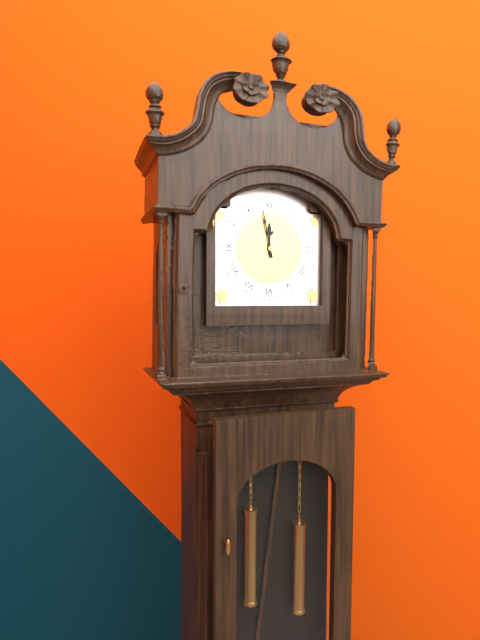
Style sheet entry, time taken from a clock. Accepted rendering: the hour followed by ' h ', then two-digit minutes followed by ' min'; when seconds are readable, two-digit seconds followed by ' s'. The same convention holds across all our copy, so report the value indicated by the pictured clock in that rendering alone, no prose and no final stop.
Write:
11 h 58 min
